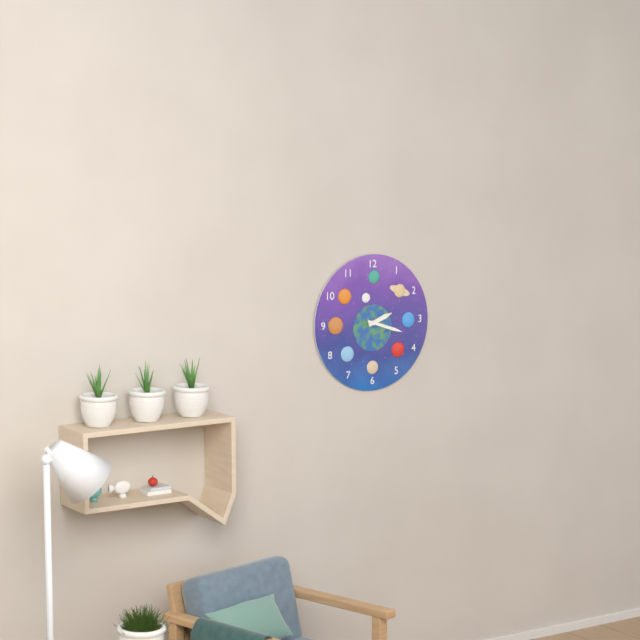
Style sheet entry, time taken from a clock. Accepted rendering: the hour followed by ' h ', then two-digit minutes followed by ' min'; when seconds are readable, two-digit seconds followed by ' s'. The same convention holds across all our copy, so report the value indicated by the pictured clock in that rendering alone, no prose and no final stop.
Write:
2 h 18 min
